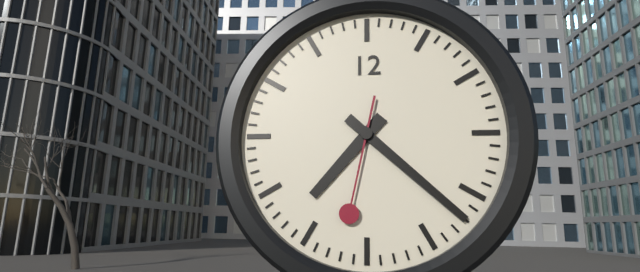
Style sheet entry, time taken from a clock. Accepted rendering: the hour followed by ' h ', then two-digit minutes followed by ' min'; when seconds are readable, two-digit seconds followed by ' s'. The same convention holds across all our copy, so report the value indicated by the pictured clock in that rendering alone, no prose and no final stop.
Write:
7 h 22 min 32 s
